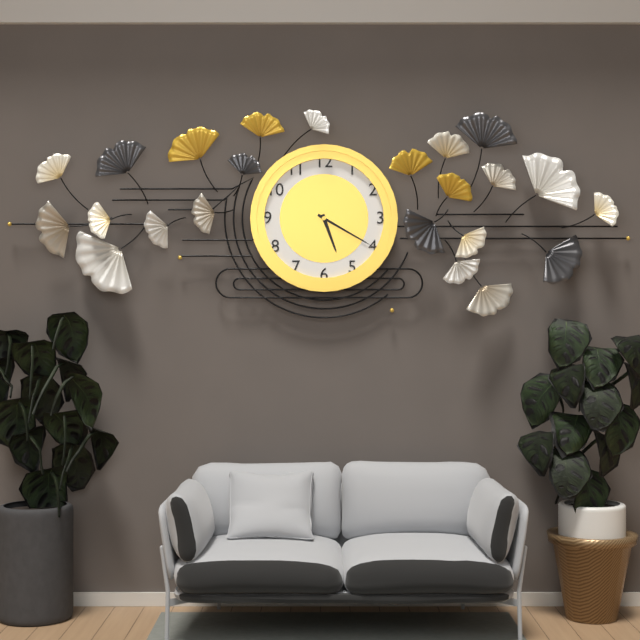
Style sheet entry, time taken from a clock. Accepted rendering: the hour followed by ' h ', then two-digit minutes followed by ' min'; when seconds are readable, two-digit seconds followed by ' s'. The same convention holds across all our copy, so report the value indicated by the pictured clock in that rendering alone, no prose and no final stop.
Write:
5 h 20 min
